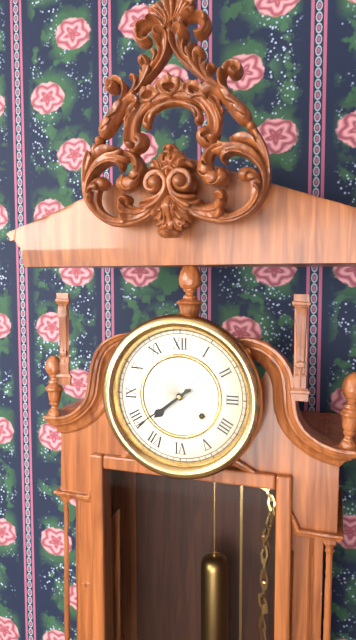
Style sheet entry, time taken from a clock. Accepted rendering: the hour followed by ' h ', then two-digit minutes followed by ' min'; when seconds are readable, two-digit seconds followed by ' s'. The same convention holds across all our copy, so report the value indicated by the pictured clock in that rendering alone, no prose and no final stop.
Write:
7 h 39 min
